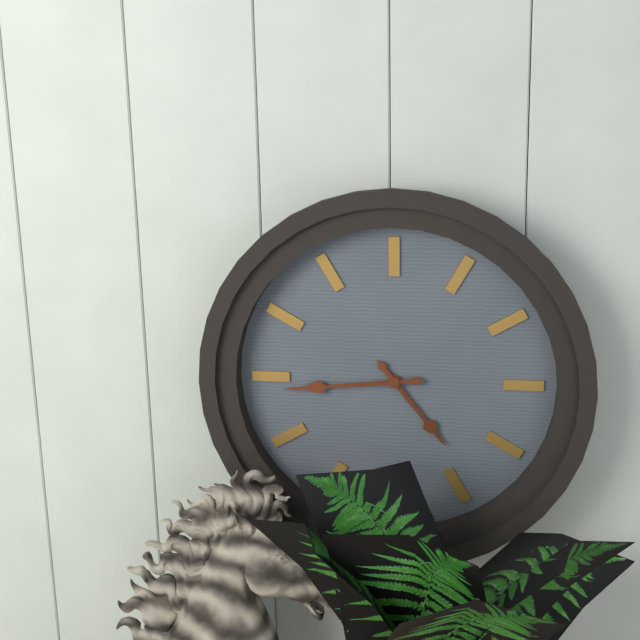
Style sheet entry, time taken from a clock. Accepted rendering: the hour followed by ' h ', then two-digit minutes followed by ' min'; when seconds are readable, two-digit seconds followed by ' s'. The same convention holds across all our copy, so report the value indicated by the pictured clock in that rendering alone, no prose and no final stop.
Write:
4 h 44 min
